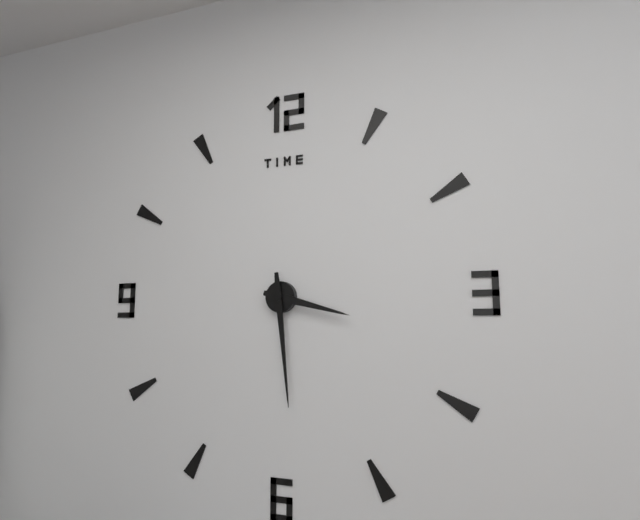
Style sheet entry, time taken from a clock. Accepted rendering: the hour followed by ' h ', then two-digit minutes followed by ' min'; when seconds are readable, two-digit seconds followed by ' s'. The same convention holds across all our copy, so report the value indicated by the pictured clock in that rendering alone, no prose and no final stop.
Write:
3 h 29 min
